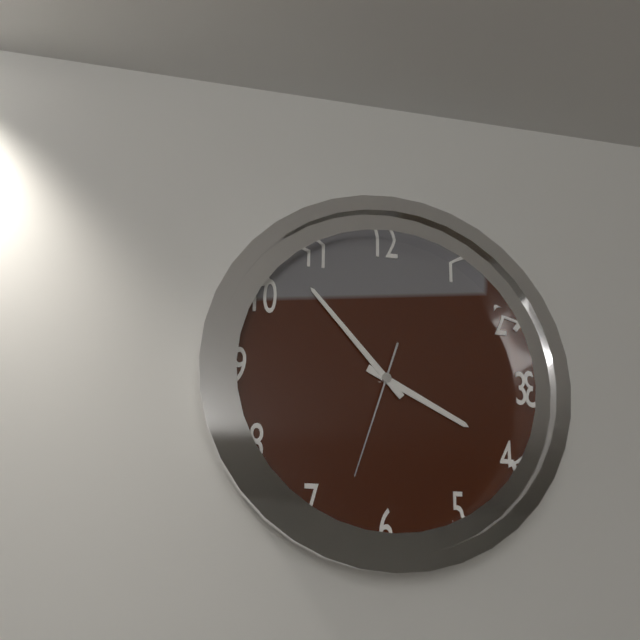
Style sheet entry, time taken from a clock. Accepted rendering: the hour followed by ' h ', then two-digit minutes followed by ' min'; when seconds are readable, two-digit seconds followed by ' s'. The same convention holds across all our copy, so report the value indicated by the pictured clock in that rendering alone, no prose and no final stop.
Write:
3 h 53 min 33 s
